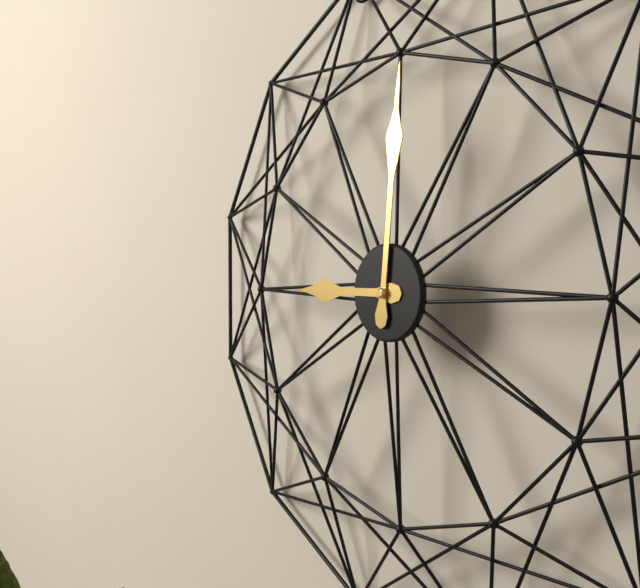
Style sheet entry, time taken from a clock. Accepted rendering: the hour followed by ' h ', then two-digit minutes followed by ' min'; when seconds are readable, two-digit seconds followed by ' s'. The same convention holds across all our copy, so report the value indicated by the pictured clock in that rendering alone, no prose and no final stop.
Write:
9 h 01 min
